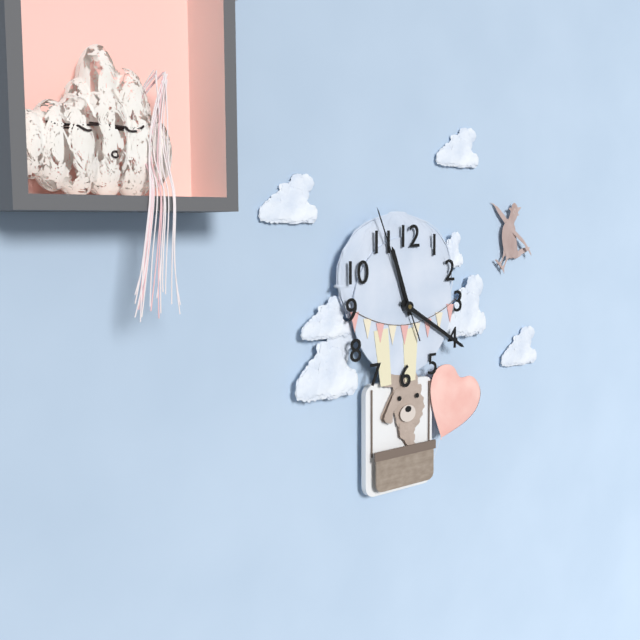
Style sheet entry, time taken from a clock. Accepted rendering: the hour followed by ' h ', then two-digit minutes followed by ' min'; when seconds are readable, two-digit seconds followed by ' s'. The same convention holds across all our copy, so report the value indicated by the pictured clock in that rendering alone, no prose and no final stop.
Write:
11 h 20 min 56 s
